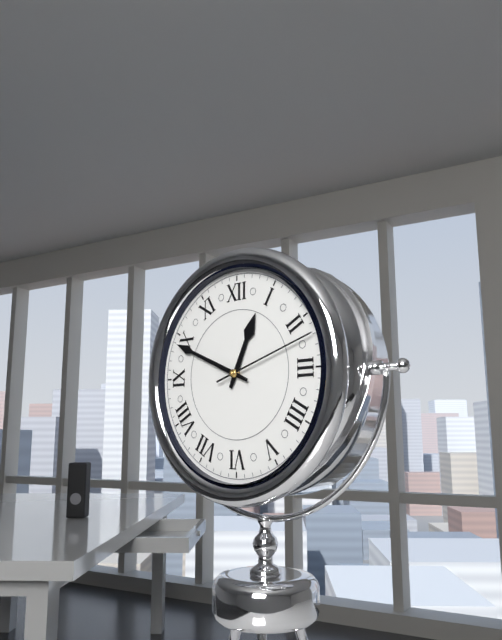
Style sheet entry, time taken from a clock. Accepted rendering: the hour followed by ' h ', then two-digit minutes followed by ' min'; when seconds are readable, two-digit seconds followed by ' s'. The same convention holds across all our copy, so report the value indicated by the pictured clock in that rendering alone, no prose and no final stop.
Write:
12 h 49 min 12 s
